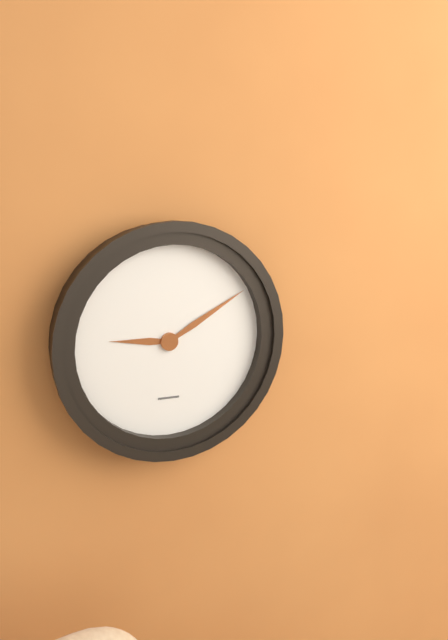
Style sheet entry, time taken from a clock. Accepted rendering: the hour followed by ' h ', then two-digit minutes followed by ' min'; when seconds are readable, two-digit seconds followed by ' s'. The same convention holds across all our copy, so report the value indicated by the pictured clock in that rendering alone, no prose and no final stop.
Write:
9 h 10 min
